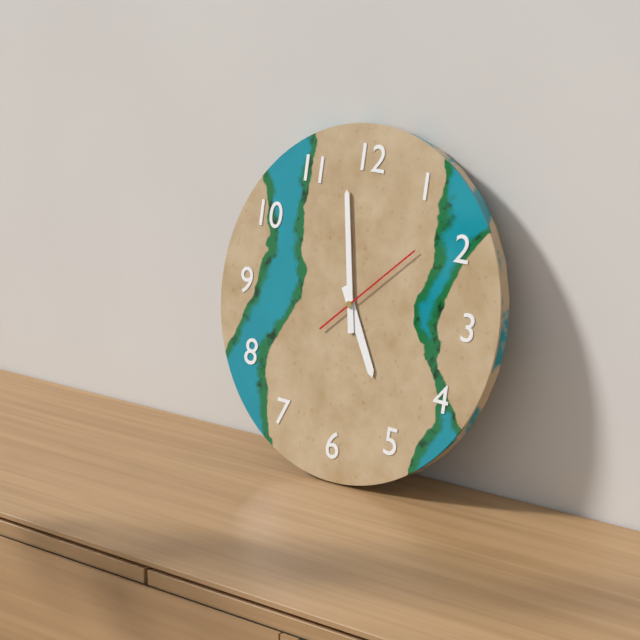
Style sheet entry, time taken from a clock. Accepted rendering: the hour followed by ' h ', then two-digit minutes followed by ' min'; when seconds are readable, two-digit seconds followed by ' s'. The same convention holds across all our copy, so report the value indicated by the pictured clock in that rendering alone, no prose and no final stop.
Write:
4 h 58 min 08 s
